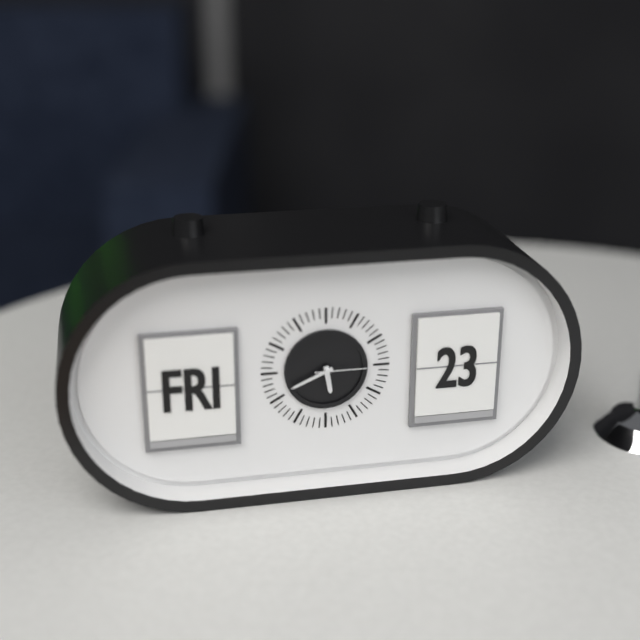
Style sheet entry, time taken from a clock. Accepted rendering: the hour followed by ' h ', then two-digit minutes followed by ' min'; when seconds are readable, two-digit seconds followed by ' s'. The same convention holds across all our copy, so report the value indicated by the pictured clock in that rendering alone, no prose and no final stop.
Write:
5 h 41 min 15 s
